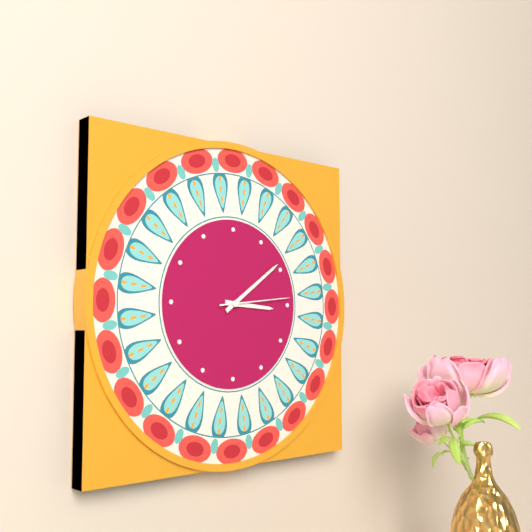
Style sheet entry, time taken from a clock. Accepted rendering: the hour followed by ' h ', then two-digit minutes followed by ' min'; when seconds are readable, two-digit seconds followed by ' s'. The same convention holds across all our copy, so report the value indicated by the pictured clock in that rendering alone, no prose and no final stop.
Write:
3 h 09 min 14 s
